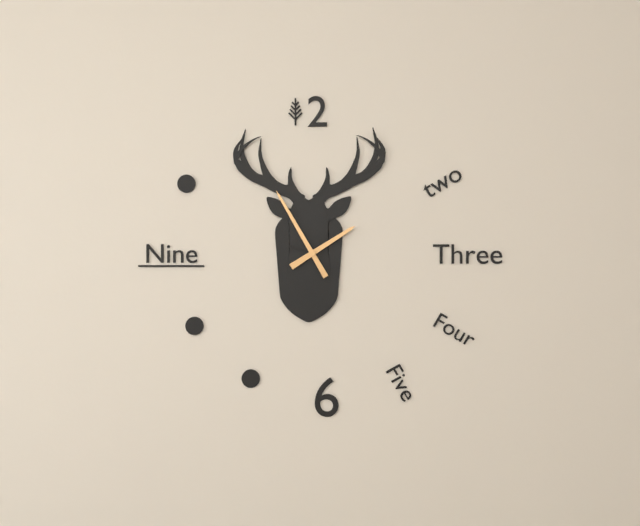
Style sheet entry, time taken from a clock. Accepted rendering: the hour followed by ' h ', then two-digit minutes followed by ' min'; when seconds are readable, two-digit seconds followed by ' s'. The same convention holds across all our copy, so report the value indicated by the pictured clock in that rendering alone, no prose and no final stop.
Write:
1 h 55 min
